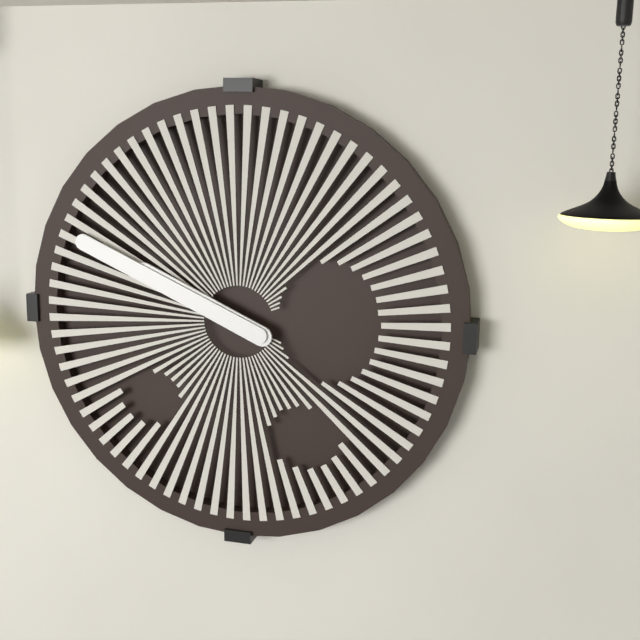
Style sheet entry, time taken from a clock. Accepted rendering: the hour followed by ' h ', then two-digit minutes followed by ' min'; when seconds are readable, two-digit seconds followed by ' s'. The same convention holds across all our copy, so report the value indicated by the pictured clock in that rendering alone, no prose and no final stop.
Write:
9 h 49 min
